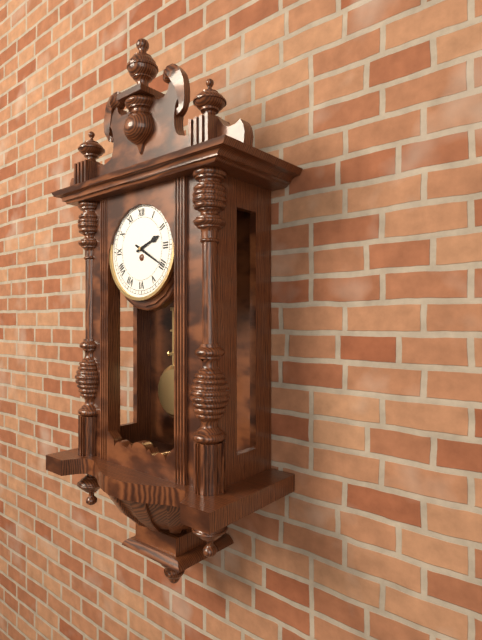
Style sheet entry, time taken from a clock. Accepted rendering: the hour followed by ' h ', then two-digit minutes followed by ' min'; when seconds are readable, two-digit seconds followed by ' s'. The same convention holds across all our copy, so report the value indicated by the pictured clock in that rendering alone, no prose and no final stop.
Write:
2 h 20 min
